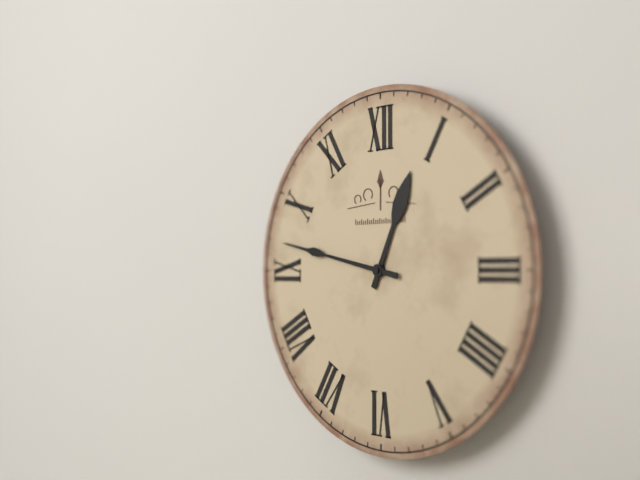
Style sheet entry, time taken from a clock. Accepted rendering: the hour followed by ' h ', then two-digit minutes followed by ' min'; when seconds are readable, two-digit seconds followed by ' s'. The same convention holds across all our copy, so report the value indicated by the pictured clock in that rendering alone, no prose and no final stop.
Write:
12 h 47 min
